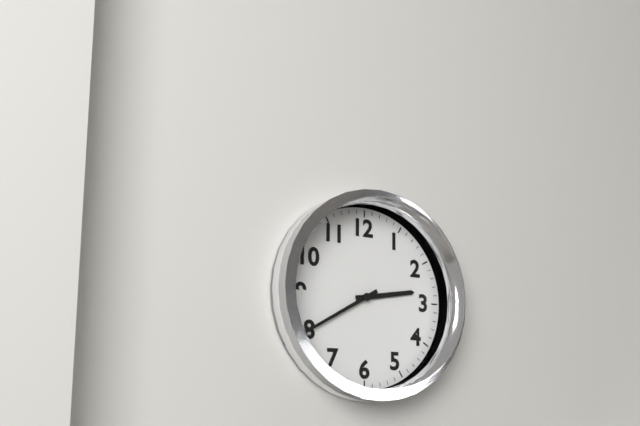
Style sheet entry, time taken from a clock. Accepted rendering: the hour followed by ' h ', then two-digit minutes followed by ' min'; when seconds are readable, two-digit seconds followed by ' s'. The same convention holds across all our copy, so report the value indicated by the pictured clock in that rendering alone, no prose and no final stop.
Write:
2 h 40 min
